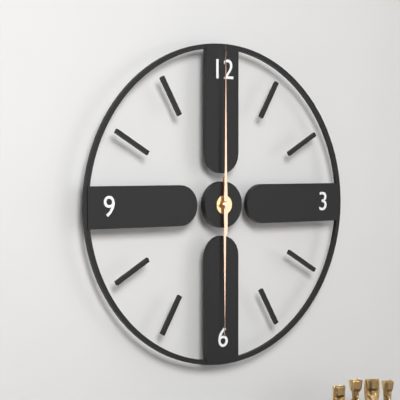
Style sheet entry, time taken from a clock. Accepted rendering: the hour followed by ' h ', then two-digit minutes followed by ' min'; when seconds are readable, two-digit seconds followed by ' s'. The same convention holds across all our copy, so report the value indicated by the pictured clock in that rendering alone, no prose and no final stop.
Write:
6 h 00 min
